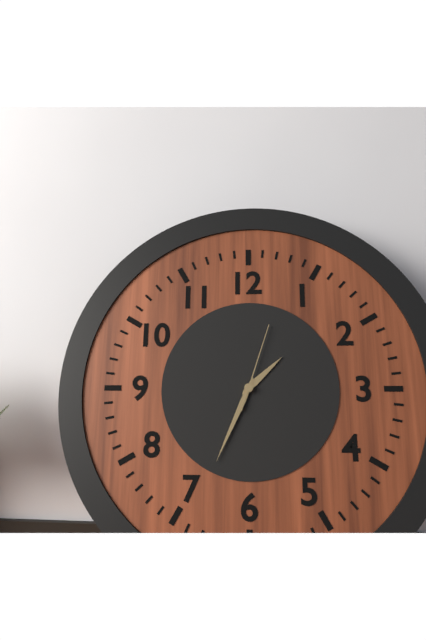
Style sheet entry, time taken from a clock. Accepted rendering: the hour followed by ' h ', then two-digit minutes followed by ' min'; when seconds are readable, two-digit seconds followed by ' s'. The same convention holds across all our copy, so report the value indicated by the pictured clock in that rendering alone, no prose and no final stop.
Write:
1 h 34 min 03 s
